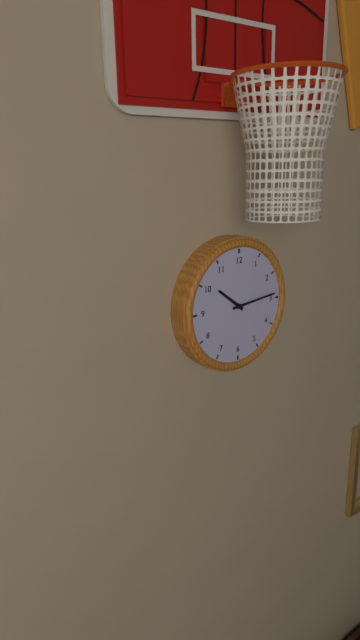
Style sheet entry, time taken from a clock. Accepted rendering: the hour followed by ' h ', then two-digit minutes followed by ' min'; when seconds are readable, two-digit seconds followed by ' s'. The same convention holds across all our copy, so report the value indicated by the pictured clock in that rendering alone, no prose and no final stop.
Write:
10 h 14 min
